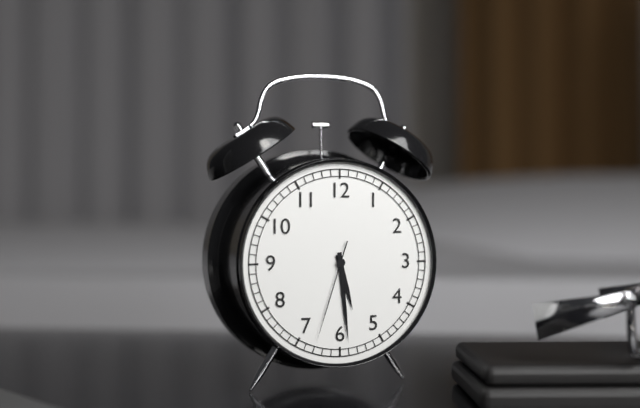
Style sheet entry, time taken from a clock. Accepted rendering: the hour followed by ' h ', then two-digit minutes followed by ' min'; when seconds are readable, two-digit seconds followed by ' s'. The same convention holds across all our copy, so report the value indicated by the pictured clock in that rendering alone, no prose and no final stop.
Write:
5 h 29 min 33 s
